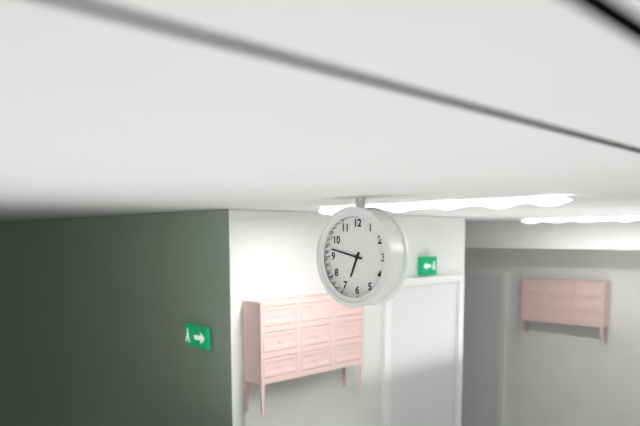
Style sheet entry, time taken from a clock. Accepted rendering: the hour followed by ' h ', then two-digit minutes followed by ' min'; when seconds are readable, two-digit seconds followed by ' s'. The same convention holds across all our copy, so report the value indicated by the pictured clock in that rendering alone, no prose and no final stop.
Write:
6 h 47 min
